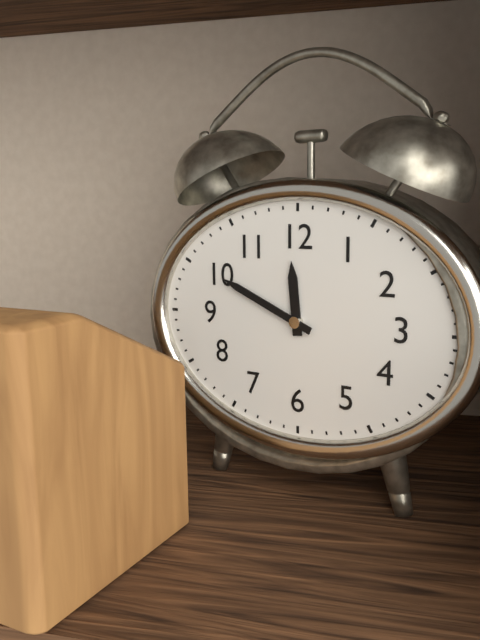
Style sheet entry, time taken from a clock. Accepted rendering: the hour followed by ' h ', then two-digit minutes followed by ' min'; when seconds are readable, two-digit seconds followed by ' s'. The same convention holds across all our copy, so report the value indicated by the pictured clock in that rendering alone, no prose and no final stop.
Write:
11 h 49 min
